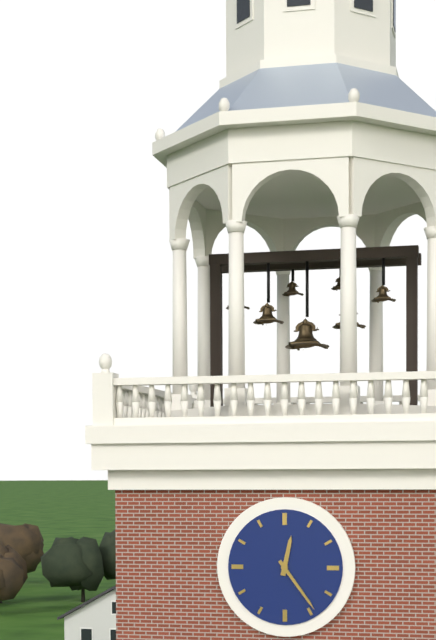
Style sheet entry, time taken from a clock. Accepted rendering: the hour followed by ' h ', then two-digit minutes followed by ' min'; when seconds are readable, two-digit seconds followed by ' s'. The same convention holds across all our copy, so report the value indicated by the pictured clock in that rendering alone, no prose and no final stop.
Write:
12 h 24 min
